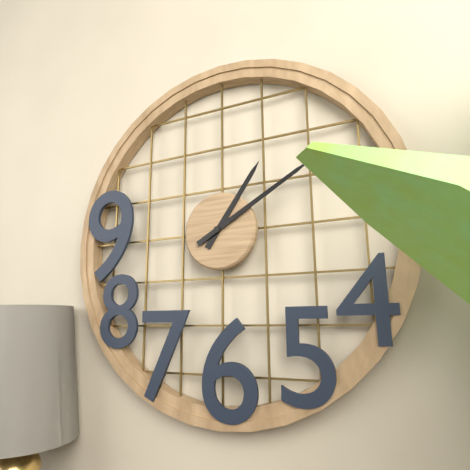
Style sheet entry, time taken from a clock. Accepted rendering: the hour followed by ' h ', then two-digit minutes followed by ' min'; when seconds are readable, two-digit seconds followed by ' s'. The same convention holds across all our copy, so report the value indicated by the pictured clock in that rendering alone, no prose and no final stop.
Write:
1 h 10 min
